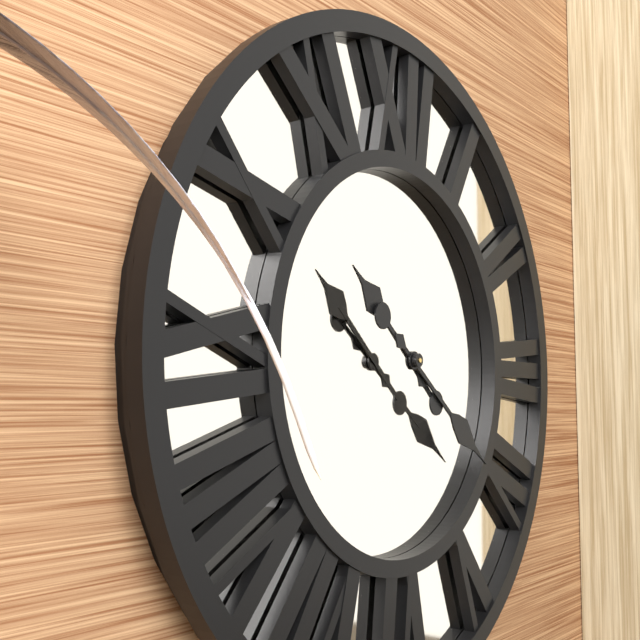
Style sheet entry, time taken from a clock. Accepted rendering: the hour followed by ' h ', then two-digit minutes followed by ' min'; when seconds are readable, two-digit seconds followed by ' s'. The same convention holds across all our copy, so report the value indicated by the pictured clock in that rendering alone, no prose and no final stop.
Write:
10 h 21 min
